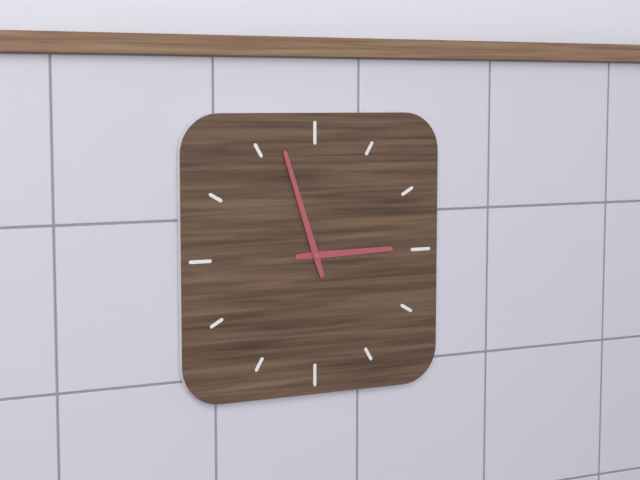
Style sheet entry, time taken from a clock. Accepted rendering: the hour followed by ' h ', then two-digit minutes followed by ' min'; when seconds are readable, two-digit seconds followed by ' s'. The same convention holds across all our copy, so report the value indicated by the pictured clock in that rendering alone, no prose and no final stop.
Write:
2 h 57 min
